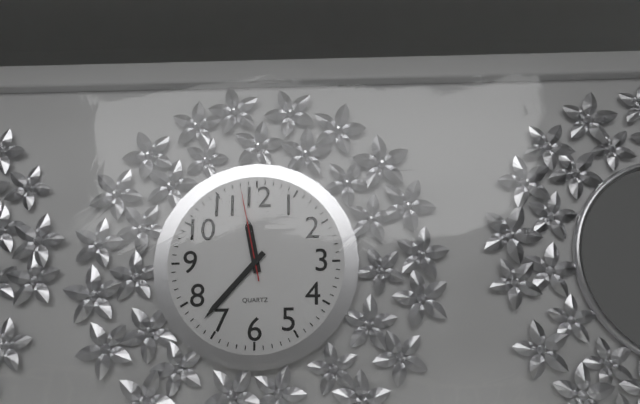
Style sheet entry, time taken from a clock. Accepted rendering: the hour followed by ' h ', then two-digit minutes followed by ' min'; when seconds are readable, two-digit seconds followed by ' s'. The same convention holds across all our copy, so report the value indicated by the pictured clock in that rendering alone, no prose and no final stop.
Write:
11 h 37 min 58 s
